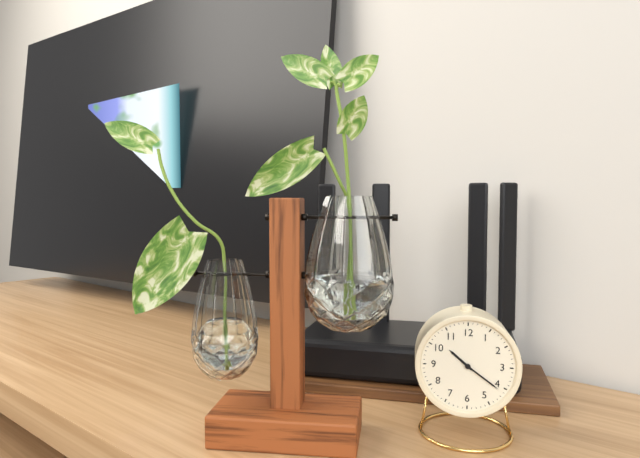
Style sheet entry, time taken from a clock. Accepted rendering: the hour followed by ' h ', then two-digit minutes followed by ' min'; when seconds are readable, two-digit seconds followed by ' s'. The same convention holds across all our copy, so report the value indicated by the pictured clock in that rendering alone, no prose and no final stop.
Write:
10 h 21 min
